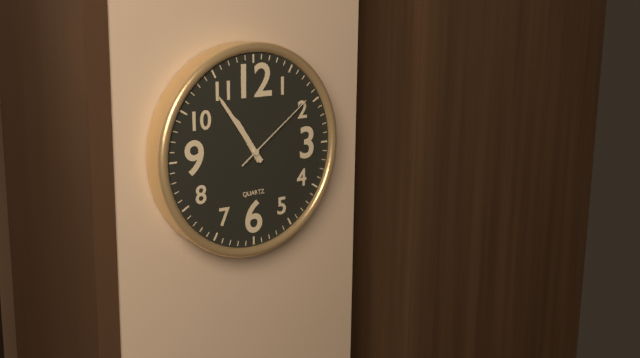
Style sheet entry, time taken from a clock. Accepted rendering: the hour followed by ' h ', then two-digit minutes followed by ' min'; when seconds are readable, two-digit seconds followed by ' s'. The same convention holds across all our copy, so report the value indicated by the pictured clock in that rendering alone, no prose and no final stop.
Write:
10 h 54 min 09 s
